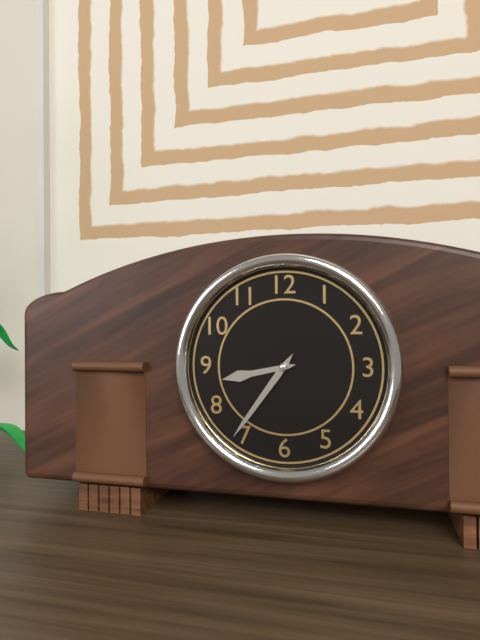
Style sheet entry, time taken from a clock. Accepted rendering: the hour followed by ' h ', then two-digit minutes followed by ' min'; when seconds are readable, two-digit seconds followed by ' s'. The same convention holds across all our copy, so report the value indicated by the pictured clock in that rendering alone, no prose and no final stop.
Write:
8 h 36 min
